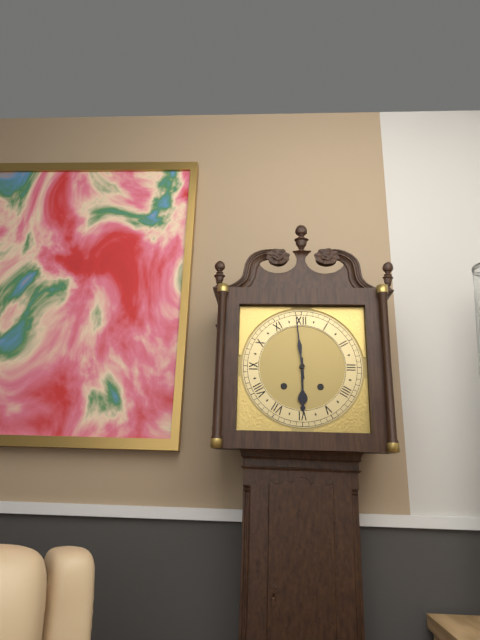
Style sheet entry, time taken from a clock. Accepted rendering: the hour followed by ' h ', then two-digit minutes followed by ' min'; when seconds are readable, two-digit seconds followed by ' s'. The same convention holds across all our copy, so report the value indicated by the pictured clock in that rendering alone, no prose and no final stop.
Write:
5 h 59 min
